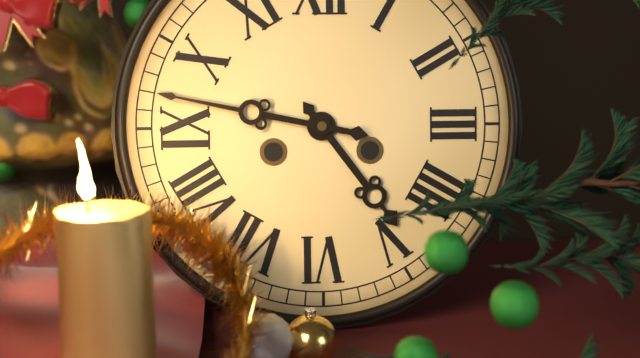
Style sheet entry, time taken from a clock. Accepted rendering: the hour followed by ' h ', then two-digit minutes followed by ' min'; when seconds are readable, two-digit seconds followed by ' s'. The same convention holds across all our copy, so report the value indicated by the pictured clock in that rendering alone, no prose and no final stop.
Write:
4 h 47 min
